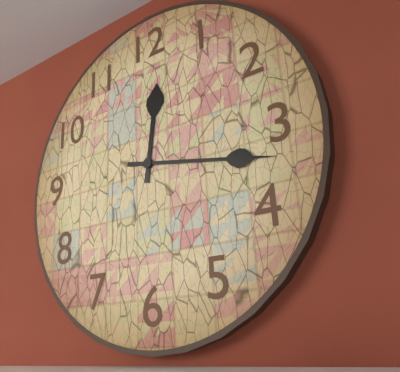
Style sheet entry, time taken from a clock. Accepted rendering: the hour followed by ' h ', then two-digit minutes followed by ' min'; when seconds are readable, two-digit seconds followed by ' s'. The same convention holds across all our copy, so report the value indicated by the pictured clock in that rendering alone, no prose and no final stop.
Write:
12 h 17 min
